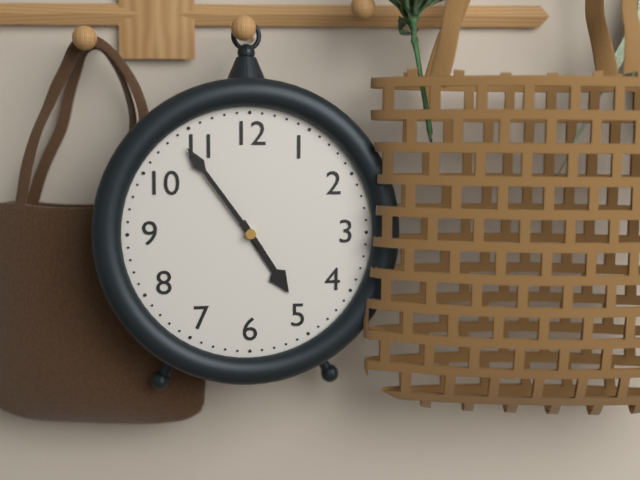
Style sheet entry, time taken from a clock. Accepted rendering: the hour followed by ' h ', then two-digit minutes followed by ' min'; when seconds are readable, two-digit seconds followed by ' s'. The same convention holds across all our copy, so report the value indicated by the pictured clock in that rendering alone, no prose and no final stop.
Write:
4 h 54 min
